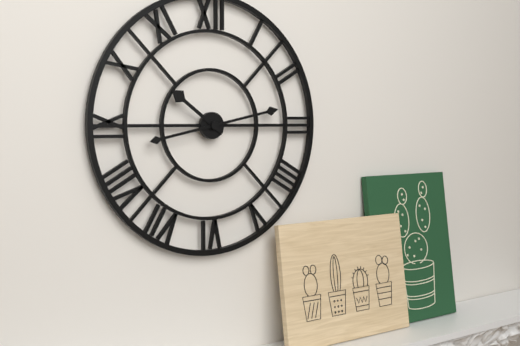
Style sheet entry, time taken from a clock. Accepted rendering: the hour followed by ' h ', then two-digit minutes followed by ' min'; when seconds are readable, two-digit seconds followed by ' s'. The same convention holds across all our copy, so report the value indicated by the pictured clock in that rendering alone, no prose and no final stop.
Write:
10 h 13 min
